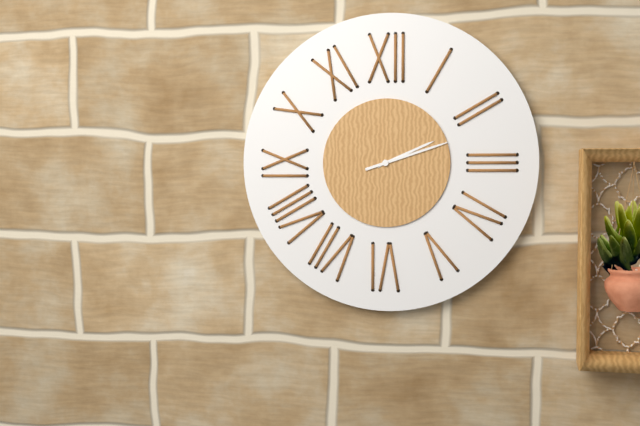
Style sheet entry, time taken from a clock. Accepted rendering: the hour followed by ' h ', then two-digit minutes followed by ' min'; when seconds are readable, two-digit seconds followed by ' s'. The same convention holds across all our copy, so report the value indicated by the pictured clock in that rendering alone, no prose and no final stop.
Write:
2 h 12 min
